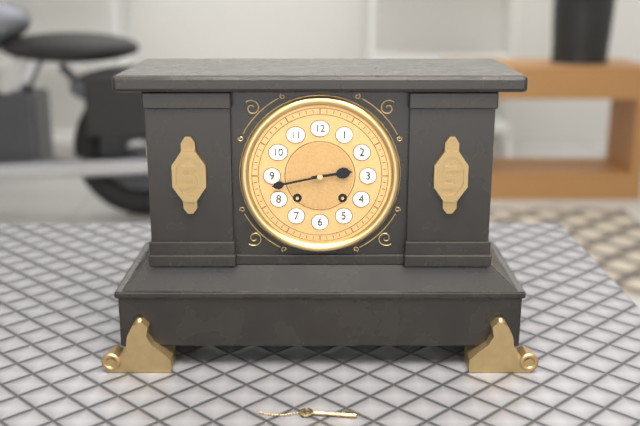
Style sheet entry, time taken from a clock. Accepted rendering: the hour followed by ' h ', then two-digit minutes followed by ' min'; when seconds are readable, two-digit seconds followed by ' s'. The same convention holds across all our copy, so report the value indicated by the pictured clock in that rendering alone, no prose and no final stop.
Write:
2 h 43 min
